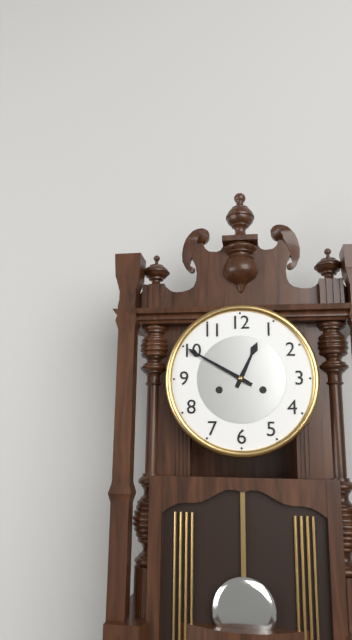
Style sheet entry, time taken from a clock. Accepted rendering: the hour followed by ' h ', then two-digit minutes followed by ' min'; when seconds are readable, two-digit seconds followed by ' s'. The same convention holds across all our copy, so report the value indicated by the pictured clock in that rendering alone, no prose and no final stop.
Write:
12 h 50 min
